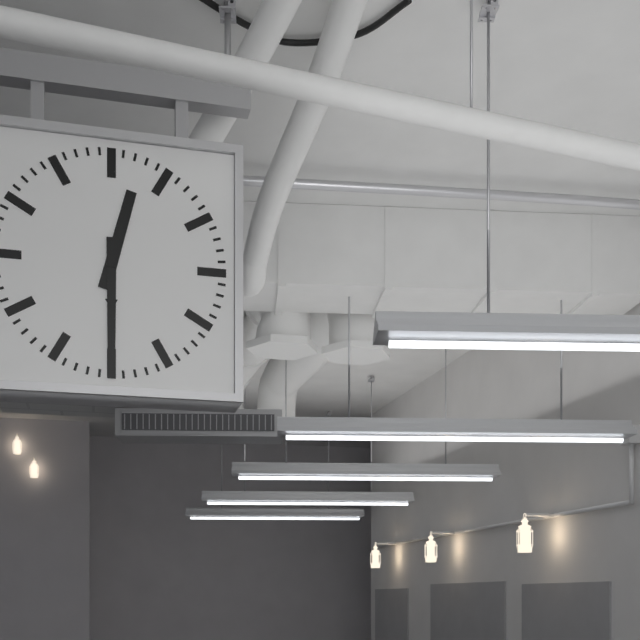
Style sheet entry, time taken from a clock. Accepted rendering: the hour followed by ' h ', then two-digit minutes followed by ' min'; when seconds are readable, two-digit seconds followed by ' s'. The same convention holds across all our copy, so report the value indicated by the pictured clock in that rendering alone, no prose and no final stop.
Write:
12 h 30 min
